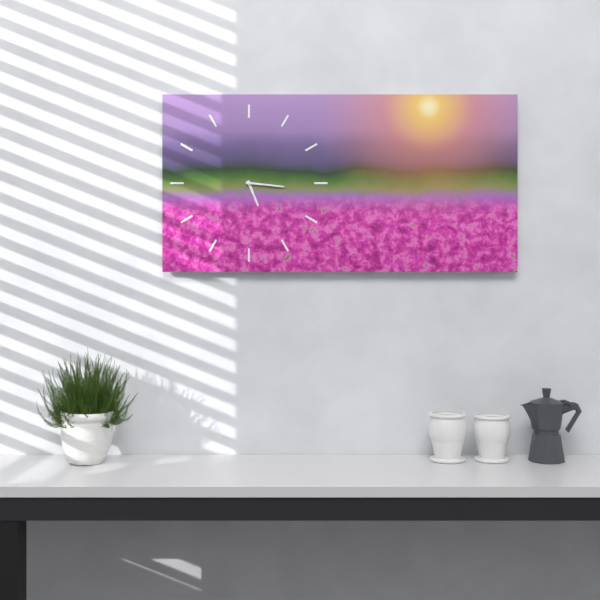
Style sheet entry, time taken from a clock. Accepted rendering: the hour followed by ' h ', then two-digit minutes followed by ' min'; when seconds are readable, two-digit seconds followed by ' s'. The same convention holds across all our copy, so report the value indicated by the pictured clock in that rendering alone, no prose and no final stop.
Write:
5 h 16 min
